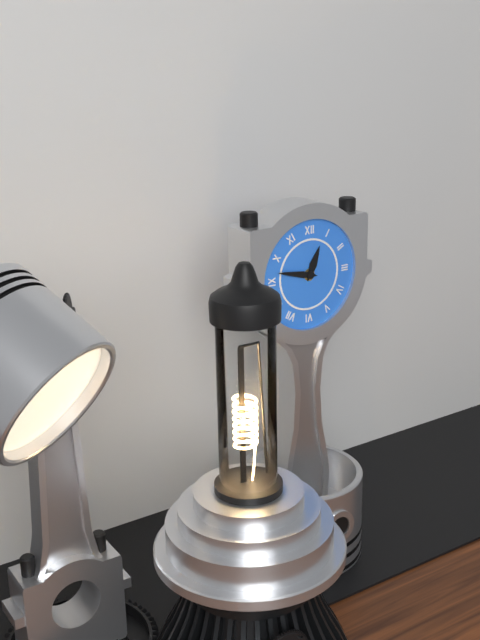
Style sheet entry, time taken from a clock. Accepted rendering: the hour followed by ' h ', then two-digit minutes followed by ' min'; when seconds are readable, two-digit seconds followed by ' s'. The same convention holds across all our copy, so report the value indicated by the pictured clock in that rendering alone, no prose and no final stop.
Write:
12 h 47 min
